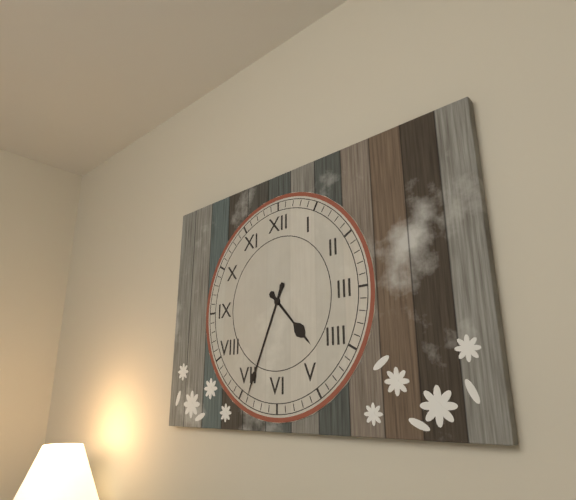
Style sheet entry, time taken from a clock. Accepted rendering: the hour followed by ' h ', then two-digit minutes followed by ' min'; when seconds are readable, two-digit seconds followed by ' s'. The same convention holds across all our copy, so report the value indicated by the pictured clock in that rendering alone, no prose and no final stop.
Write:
4 h 34 min
